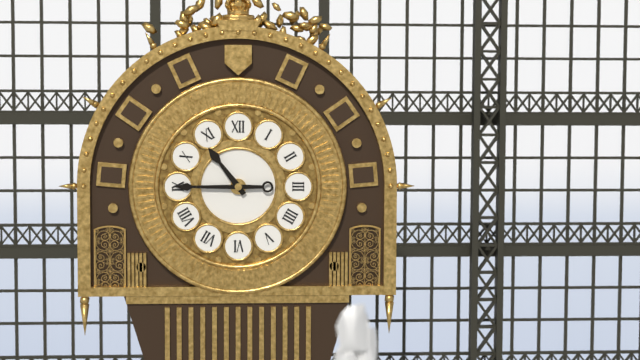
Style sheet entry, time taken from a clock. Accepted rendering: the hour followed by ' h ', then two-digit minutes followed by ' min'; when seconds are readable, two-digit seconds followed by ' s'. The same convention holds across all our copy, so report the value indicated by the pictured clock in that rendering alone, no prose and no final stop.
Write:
10 h 45 min
